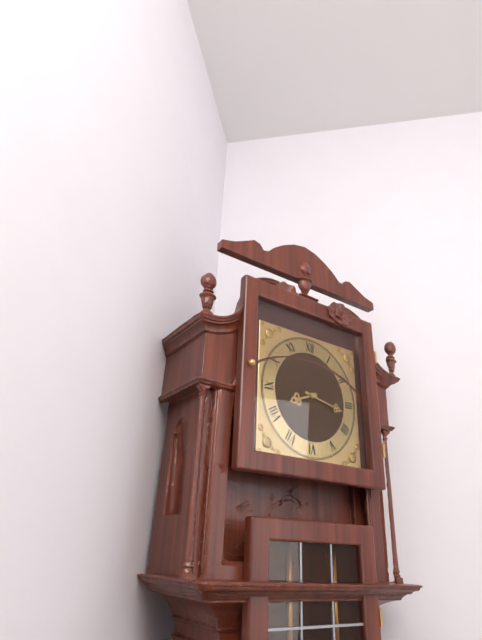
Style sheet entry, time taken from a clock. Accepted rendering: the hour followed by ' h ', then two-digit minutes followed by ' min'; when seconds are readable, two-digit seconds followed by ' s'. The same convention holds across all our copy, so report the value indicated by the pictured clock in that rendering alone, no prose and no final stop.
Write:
8 h 17 min
